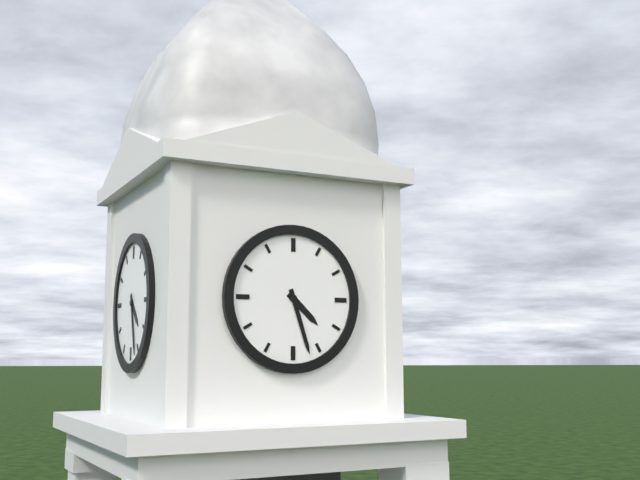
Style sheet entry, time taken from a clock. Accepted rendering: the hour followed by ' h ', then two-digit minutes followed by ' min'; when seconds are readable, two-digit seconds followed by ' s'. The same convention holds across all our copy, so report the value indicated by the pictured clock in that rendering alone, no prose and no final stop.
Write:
4 h 27 min
